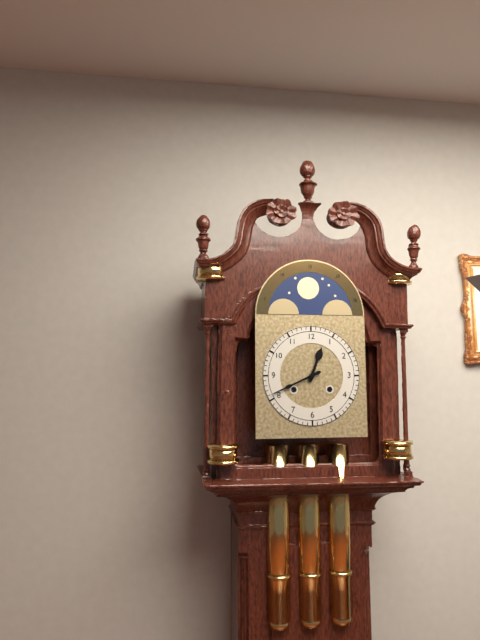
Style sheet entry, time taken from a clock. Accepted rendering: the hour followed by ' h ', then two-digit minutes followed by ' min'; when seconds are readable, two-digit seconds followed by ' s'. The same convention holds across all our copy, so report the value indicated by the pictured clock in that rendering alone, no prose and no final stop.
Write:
12 h 41 min
